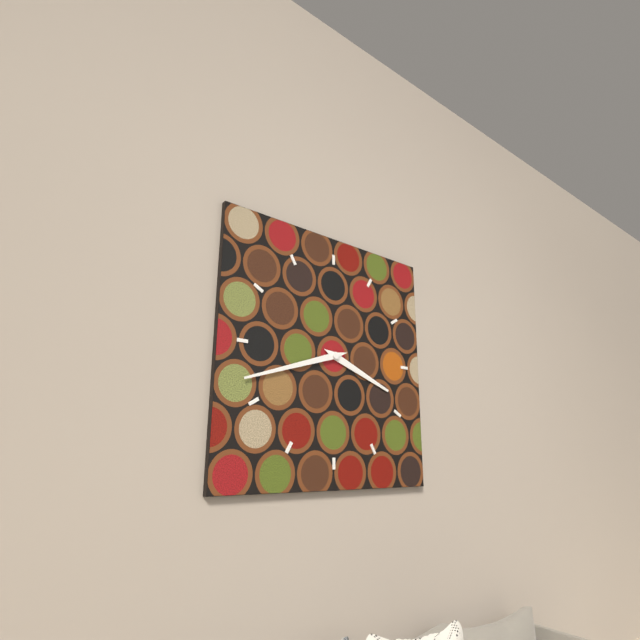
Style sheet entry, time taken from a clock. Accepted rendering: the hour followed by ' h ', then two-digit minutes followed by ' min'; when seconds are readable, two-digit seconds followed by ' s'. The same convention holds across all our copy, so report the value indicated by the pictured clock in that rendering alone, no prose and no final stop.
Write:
3 h 42 min
